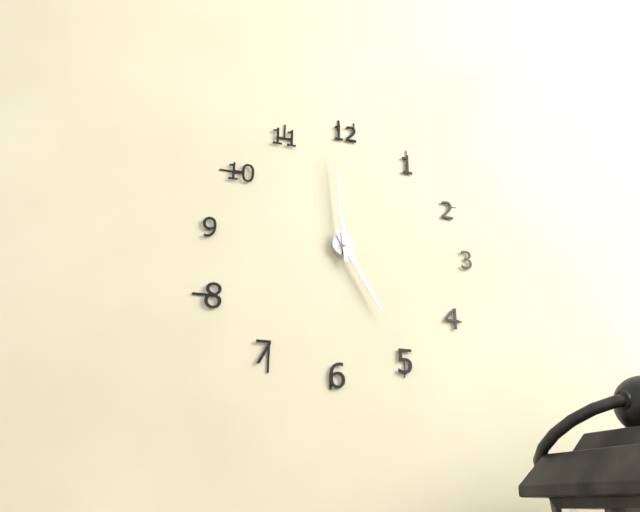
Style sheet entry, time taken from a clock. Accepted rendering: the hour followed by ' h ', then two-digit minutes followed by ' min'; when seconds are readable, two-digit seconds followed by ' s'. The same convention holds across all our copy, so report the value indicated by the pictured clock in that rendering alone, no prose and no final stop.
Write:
4 h 59 min
